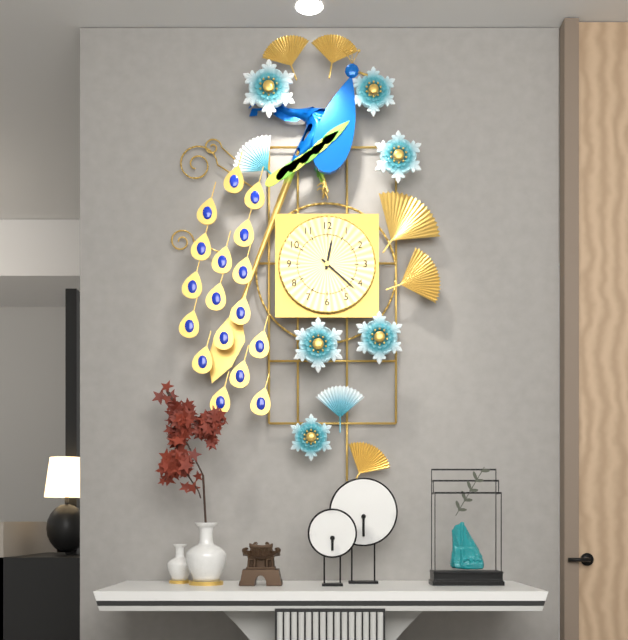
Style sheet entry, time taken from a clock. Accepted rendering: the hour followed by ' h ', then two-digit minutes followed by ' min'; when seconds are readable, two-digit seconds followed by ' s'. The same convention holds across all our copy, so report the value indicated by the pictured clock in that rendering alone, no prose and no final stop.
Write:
12 h 22 min
